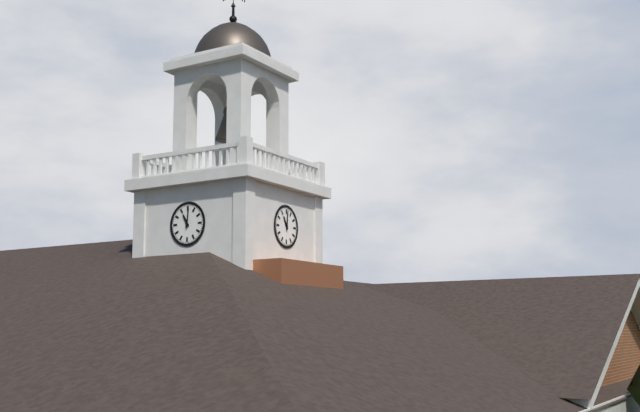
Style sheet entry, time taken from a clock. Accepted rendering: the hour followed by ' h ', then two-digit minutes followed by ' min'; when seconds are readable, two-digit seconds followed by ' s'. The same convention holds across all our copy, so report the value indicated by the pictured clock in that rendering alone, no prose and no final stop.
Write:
11 h 01 min
